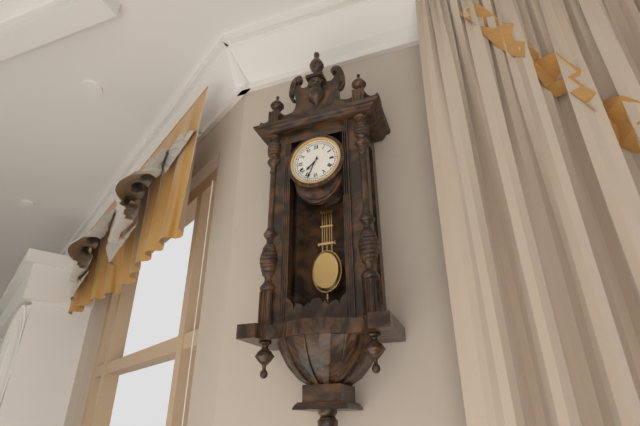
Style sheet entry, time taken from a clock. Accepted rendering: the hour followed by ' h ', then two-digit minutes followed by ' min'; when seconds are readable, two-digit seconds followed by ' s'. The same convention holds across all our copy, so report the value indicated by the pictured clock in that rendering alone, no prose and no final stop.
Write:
7 h 34 min
